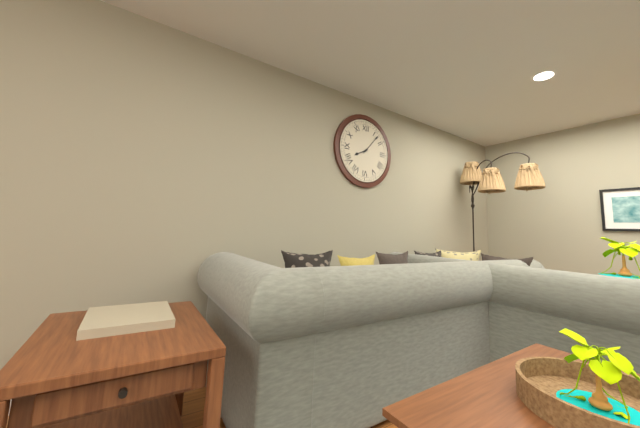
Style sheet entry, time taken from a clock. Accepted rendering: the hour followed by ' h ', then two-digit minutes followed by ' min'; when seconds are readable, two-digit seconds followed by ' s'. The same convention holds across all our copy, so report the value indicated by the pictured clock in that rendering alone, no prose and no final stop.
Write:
8 h 07 min
